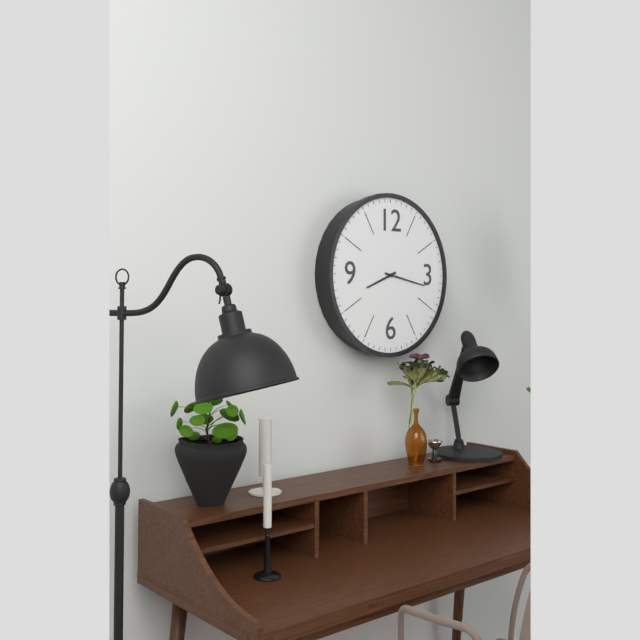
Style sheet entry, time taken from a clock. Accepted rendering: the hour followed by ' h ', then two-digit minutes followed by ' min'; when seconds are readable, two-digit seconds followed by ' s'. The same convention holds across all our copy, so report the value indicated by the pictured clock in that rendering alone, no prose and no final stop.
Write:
8 h 17 min
